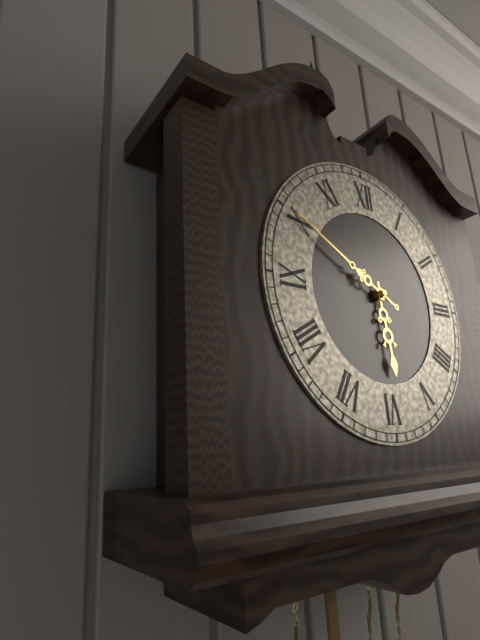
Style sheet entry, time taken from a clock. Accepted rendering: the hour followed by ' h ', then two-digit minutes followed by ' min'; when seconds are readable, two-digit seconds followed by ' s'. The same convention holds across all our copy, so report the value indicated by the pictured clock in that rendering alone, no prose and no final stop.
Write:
5 h 50 min
